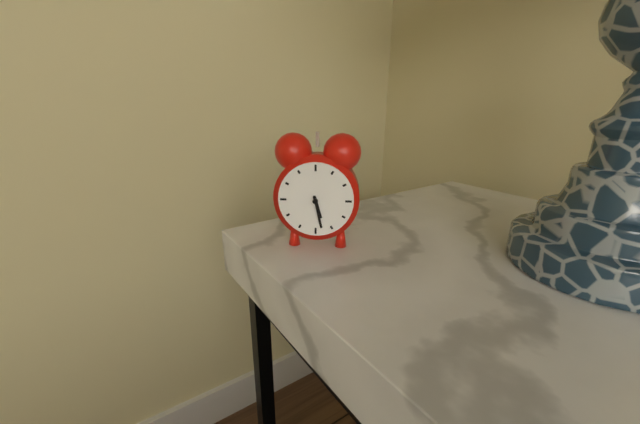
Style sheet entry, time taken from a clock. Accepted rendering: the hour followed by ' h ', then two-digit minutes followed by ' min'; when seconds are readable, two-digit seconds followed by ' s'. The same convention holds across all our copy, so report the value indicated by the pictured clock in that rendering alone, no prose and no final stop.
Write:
5 h 28 min
